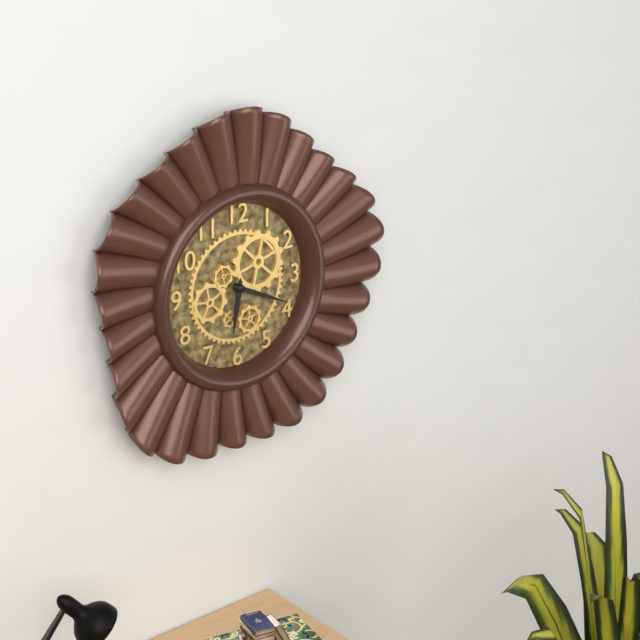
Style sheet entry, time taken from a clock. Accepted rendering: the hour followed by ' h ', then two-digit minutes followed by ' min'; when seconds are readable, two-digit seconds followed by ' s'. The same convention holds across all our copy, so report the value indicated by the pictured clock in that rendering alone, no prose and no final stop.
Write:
6 h 19 min
